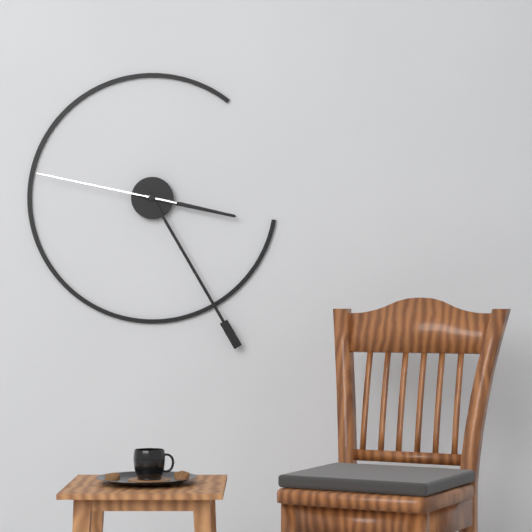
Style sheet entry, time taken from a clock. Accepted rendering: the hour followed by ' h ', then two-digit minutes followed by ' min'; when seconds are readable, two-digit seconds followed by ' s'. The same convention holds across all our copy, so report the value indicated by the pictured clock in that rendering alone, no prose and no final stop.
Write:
3 h 25 min 47 s
